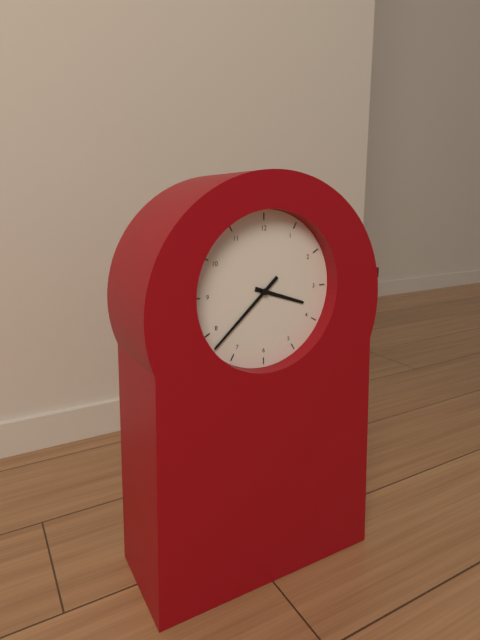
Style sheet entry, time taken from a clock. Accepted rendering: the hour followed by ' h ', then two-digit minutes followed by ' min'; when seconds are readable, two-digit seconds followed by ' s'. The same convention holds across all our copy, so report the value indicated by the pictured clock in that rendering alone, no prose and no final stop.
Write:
3 h 38 min
